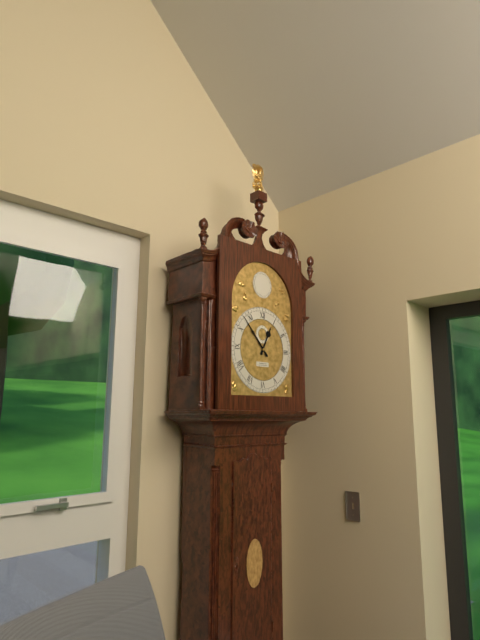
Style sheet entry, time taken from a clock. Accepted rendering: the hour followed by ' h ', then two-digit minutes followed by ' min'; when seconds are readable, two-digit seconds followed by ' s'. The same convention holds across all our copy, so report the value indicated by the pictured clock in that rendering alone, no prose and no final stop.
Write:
12 h 53 min
